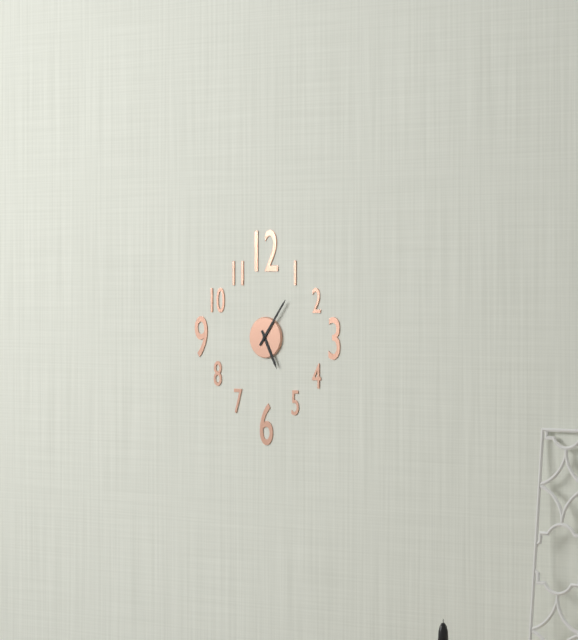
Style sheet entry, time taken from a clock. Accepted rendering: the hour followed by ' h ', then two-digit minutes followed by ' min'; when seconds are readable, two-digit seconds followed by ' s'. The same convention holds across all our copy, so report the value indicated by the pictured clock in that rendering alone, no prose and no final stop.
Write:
5 h 06 min
